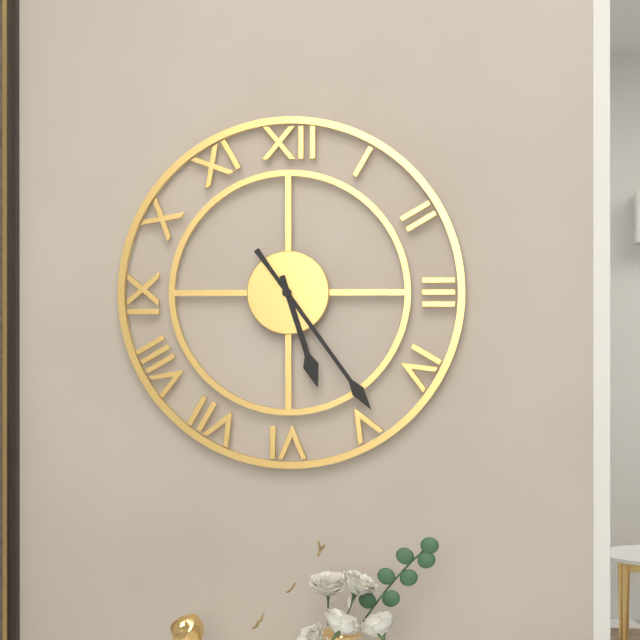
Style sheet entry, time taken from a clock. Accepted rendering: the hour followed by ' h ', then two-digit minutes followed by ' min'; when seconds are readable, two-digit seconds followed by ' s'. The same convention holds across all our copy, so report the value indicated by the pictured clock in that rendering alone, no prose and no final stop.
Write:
5 h 24 min
